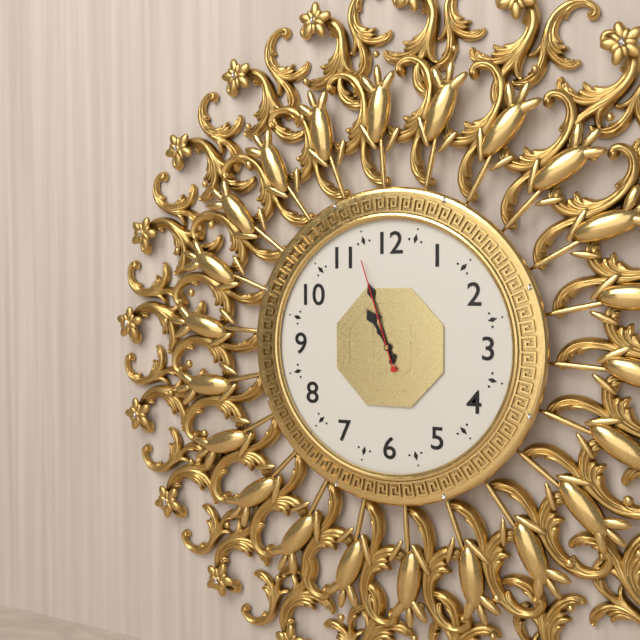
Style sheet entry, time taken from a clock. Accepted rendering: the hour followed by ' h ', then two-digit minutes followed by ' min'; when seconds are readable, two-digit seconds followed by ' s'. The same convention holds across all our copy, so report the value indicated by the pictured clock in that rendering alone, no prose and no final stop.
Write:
10 h 57 min 57 s
